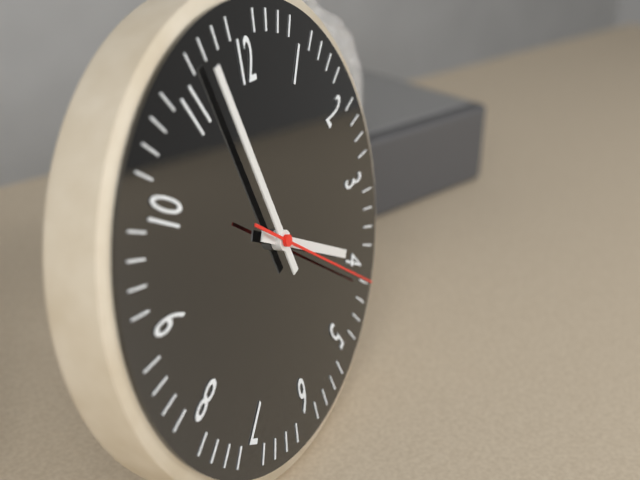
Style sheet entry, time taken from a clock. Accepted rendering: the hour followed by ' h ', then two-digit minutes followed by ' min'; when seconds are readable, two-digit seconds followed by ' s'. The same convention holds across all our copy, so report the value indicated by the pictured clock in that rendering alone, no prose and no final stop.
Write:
3 h 57 min 21 s
